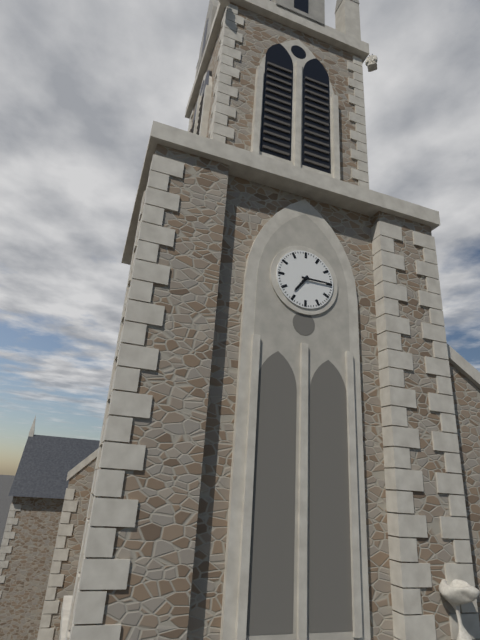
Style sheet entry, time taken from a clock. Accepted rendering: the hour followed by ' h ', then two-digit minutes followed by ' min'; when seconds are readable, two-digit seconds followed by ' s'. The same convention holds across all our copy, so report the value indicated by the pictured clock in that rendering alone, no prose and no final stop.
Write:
7 h 15 min
